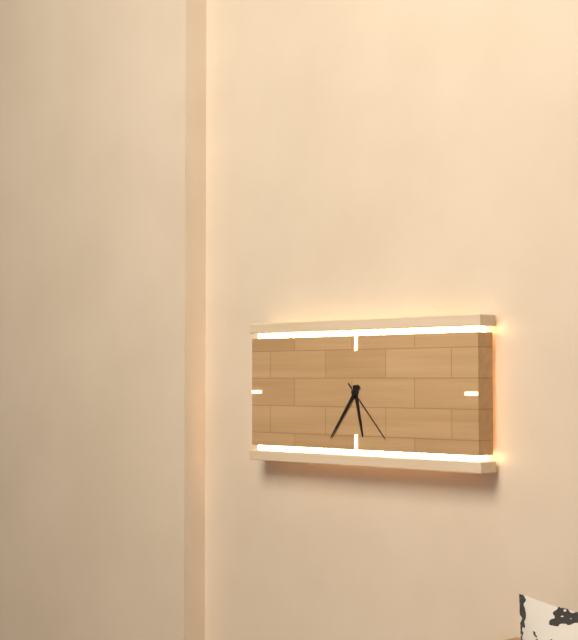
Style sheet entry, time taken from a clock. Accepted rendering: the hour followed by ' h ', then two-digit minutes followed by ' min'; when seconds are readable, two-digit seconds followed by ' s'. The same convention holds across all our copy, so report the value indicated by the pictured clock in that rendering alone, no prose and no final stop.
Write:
5 h 36 min 23 s
